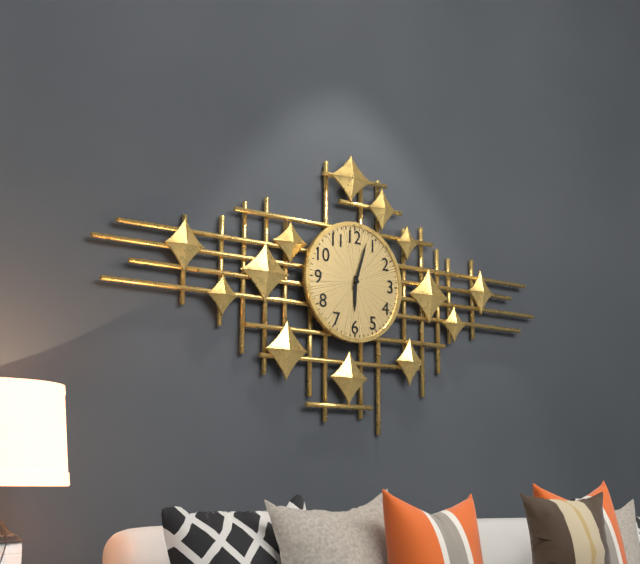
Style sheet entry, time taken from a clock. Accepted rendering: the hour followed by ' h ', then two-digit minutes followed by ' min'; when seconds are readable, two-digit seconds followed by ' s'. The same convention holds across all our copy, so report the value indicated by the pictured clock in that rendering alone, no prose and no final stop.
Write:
6 h 03 min
